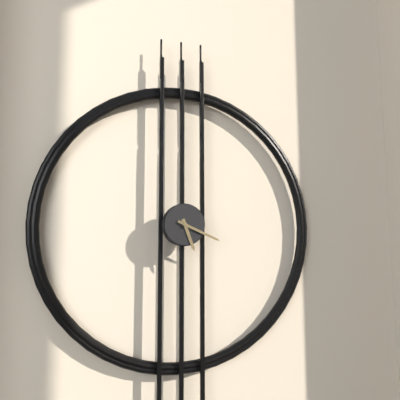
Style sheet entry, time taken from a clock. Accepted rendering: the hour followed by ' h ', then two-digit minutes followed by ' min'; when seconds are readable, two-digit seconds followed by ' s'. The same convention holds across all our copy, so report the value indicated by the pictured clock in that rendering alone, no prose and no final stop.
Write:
5 h 19 min
